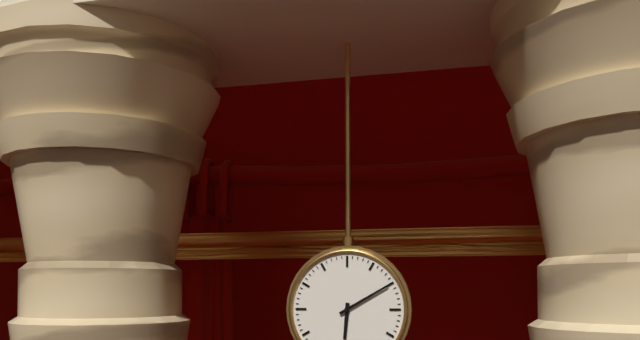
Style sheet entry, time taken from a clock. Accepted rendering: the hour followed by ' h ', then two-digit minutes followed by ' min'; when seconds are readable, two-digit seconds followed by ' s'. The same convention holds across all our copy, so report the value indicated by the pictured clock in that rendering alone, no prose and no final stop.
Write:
6 h 10 min
